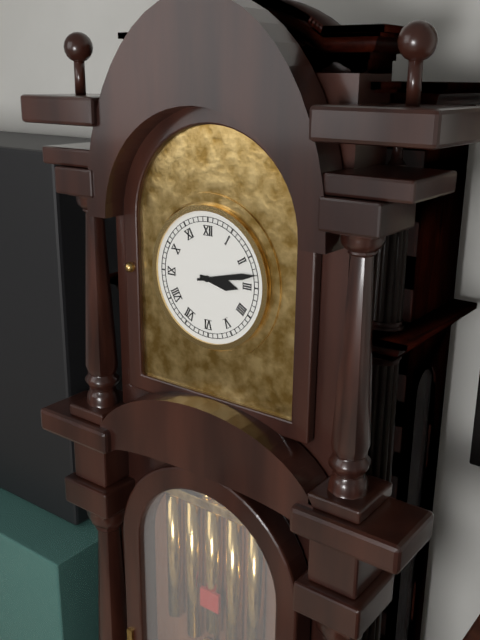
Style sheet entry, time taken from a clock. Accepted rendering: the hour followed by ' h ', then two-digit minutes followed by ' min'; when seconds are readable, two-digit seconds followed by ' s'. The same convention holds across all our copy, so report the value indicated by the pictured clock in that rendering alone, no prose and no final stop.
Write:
3 h 13 min
